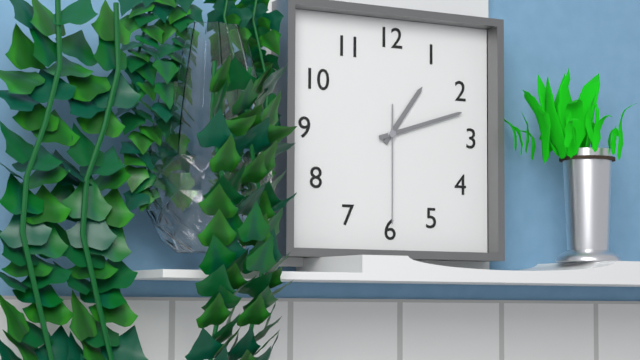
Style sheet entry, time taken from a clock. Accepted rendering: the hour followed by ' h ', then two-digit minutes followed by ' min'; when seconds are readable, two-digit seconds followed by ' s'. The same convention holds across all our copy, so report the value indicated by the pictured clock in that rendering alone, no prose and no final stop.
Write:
1 h 12 min 30 s
